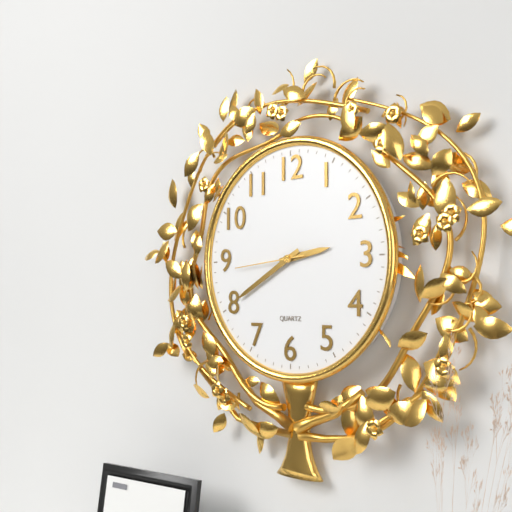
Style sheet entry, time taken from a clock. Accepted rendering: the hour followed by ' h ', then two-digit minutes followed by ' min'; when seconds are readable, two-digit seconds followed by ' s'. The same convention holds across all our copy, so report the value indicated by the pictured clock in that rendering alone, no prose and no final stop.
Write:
2 h 40 min 44 s
